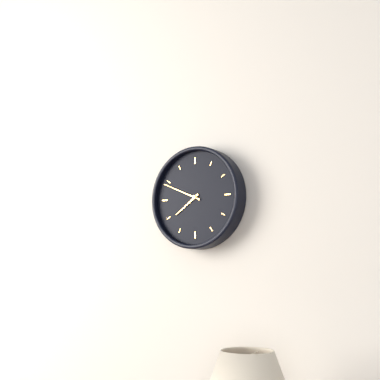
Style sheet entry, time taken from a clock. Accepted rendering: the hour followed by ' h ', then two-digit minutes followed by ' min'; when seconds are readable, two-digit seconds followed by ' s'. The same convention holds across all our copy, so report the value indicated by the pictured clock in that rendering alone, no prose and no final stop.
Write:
7 h 49 min
